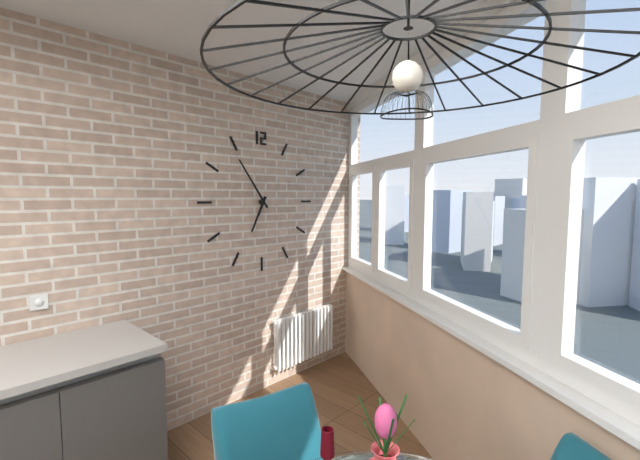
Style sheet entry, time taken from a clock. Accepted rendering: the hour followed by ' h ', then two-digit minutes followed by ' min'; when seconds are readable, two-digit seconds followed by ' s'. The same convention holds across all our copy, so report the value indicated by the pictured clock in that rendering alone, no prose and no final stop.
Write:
6 h 54 min
